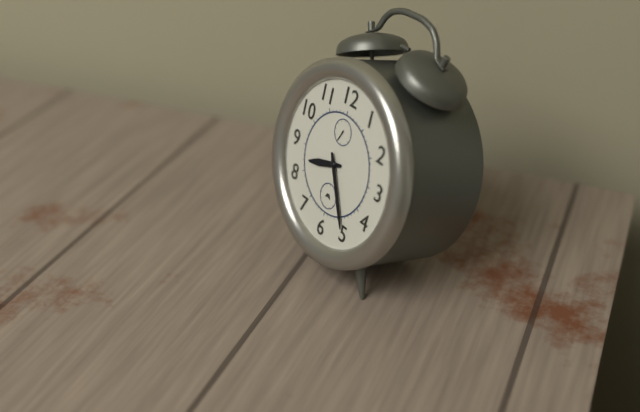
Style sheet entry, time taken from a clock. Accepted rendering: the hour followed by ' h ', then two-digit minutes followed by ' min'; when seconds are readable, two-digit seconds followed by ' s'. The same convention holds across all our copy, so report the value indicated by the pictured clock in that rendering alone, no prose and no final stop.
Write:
8 h 25 min
